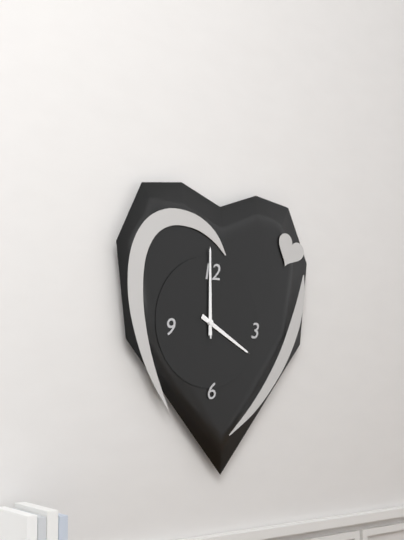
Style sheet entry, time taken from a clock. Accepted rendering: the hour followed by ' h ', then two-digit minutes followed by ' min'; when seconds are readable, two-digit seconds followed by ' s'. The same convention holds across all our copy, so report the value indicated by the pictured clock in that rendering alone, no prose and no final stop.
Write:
4 h 00 min 00 s
